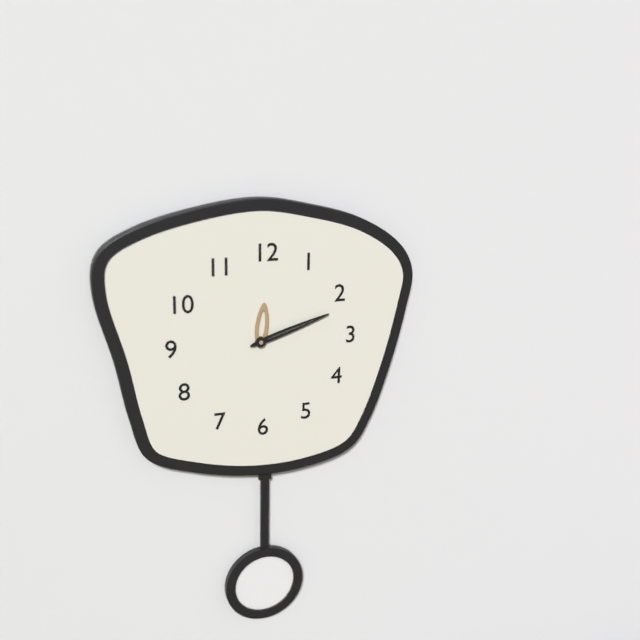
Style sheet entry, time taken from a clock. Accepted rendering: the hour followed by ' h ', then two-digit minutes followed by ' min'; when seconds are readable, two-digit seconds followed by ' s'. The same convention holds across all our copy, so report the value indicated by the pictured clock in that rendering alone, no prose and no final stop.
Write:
12 h 12 min
